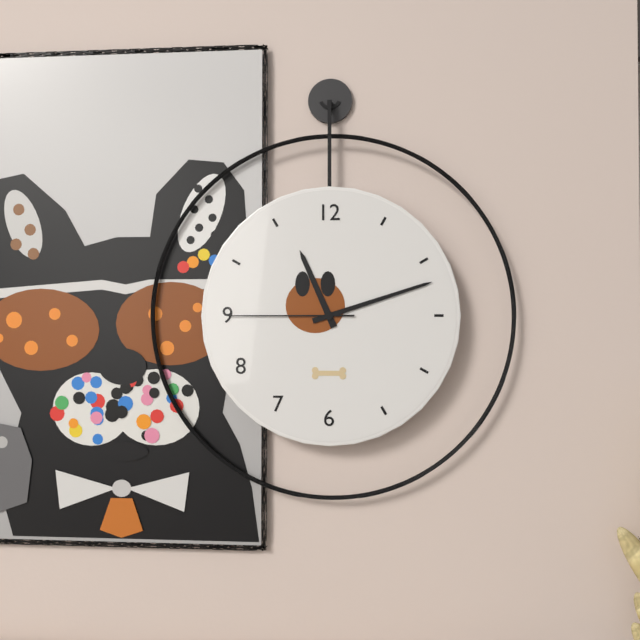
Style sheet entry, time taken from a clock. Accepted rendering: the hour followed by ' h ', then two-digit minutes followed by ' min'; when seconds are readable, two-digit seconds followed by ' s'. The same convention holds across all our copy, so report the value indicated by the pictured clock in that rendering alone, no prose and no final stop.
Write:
11 h 12 min 45 s
